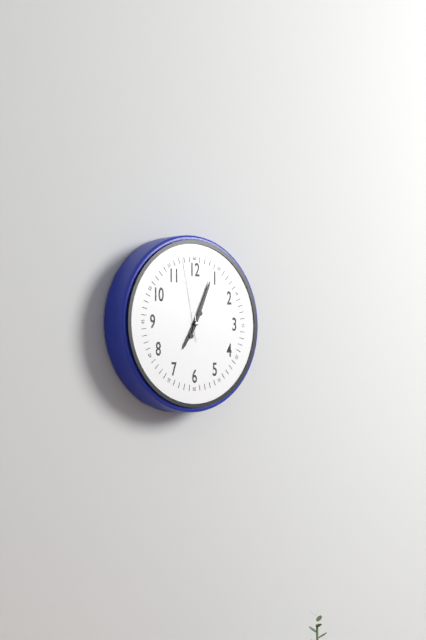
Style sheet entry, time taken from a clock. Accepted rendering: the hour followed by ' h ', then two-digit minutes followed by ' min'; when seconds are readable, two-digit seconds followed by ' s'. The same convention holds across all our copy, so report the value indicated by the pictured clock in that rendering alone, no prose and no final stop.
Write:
7 h 04 min 58 s
